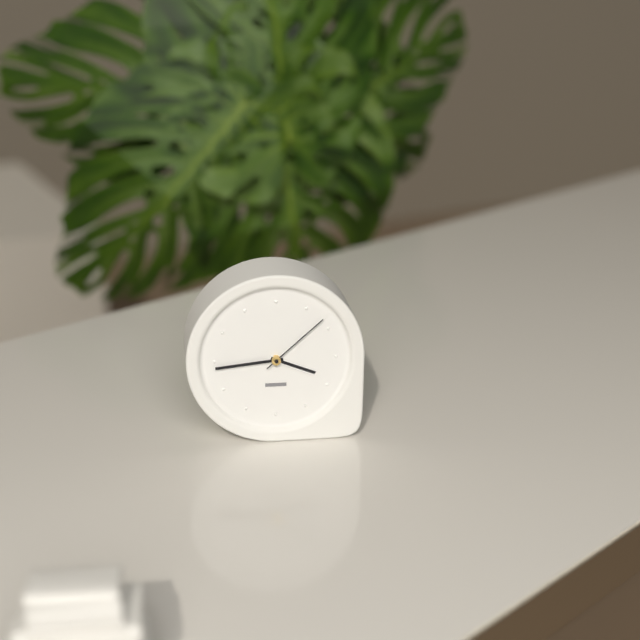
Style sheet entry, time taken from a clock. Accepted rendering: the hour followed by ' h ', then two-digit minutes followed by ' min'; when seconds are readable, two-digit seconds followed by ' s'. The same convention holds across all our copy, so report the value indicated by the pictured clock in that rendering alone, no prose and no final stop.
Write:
3 h 44 min 08 s
